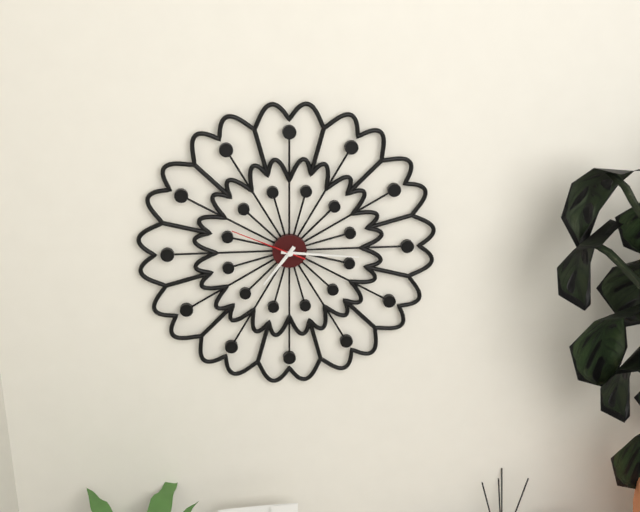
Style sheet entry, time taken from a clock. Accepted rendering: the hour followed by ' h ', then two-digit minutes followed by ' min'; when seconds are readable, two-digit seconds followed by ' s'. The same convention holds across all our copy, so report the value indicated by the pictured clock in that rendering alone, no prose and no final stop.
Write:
7 h 16 min 49 s
